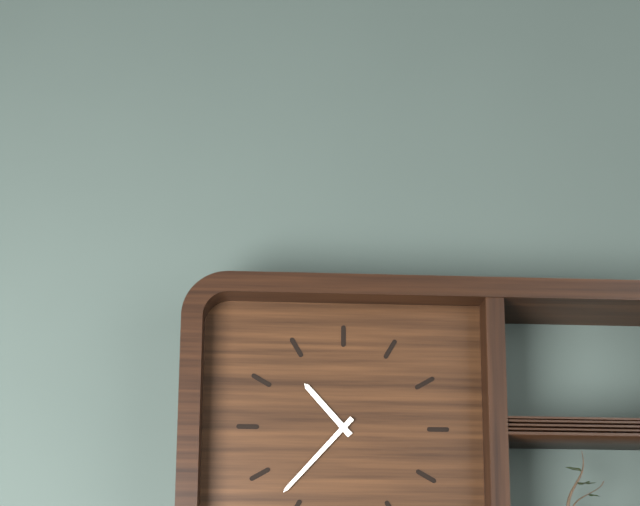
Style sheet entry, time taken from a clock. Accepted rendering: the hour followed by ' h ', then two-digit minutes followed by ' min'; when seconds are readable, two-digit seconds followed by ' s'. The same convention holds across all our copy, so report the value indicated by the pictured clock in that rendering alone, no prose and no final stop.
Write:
10 h 37 min
